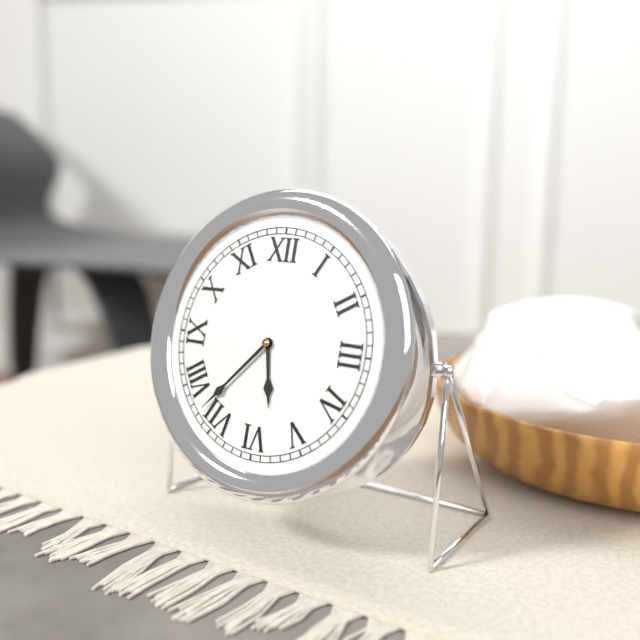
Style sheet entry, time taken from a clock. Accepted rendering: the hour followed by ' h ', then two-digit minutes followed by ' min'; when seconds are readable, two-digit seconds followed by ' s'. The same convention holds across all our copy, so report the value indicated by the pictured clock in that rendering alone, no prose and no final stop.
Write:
5 h 37 min
